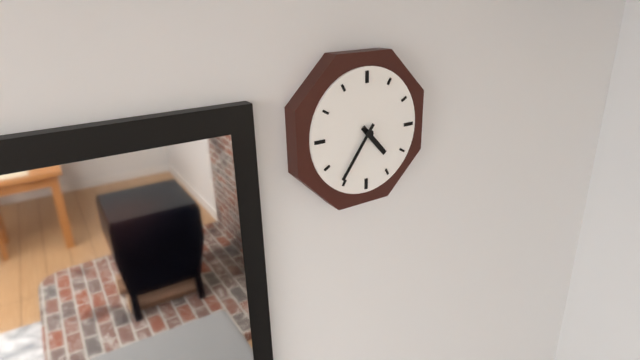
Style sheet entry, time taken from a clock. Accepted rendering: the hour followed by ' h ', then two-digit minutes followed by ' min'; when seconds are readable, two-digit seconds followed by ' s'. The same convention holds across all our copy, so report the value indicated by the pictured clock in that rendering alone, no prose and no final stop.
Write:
4 h 36 min
